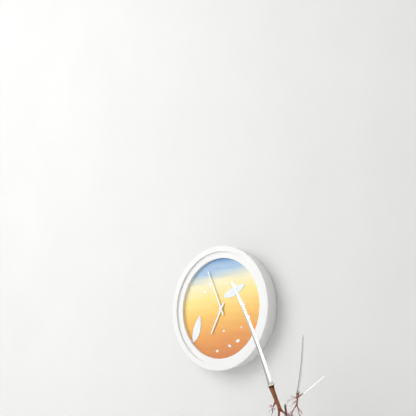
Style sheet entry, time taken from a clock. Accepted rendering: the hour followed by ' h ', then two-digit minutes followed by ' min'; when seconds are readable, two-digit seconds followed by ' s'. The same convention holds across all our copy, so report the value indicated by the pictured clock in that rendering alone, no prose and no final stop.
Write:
6 h 56 min
